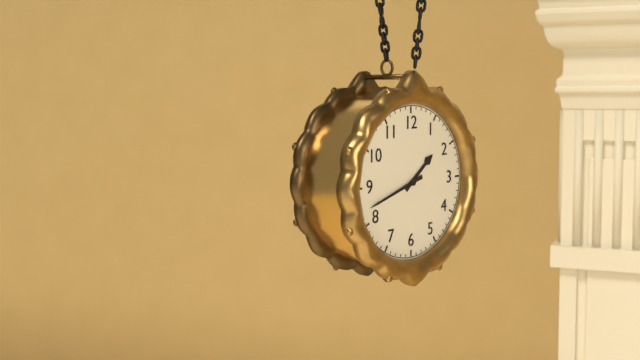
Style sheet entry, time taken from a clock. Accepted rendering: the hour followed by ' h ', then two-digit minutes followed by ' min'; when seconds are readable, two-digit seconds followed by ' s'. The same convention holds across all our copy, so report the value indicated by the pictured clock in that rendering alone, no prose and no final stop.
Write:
1 h 42 min
